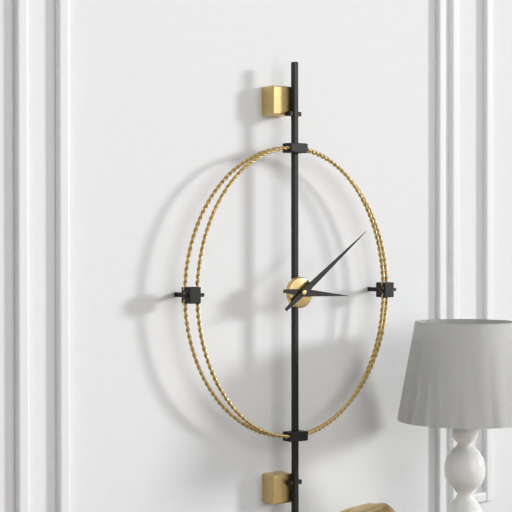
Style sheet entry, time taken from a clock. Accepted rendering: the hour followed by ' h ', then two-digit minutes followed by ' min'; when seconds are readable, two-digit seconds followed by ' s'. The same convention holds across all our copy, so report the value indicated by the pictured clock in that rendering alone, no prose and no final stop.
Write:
3 h 09 min
